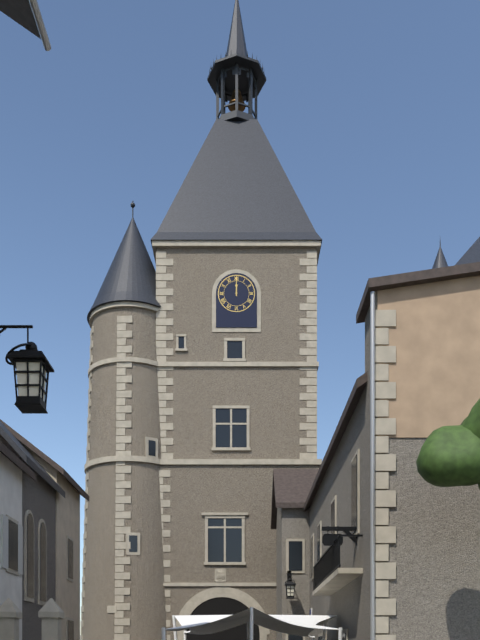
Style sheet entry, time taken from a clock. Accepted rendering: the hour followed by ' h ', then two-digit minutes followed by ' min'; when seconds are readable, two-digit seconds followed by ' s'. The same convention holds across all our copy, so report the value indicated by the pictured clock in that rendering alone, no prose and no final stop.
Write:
12 h 00 min
